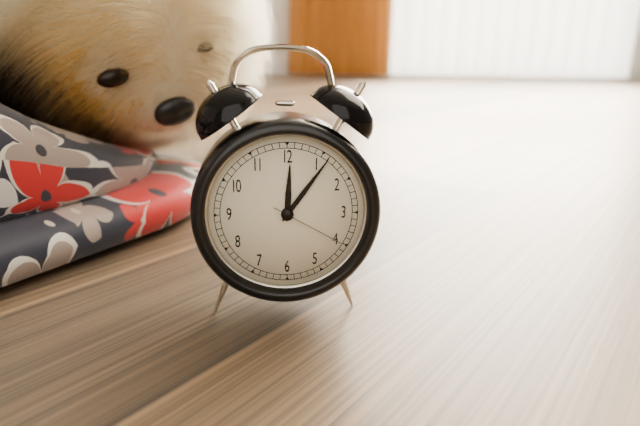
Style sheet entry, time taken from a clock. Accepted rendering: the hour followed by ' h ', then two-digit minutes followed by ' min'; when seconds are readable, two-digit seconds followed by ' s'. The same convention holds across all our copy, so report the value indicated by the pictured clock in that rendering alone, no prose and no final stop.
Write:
12 h 06 min 20 s
